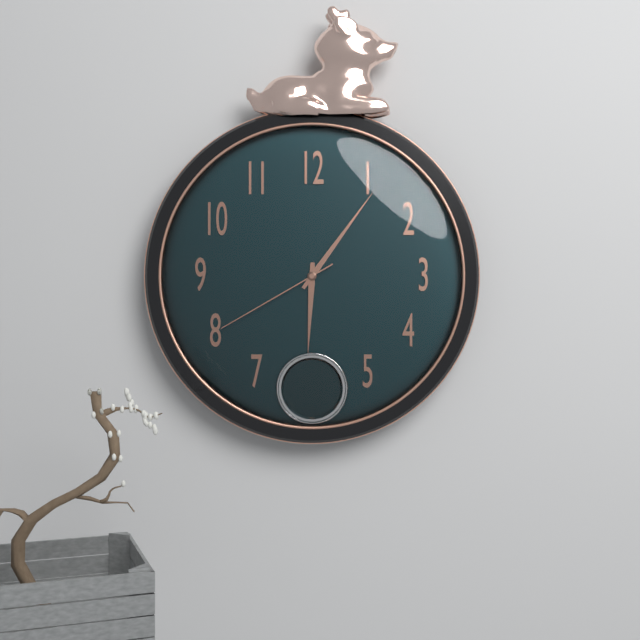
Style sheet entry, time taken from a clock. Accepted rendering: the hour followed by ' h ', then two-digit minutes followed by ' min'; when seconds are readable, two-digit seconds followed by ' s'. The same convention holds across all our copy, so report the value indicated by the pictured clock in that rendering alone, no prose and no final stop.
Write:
6 h 06 min 40 s
